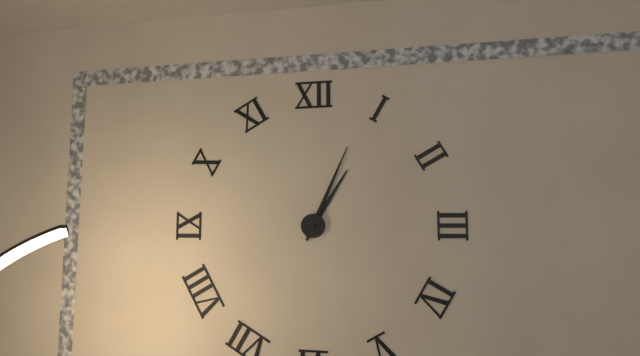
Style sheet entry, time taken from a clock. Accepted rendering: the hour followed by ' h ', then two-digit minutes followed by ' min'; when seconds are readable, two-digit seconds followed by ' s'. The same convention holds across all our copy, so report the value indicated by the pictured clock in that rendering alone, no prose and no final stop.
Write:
1 h 04 min
